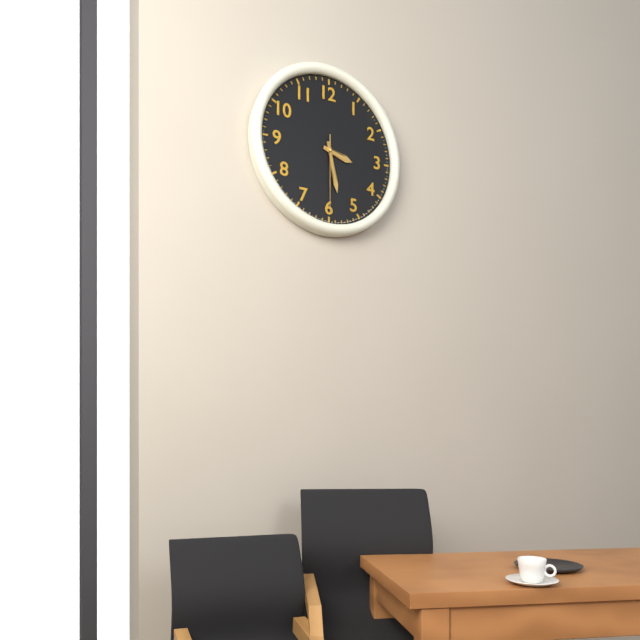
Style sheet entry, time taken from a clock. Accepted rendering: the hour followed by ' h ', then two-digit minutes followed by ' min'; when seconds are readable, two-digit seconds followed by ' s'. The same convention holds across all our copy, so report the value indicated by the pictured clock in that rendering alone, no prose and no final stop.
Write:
3 h 28 min 30 s
